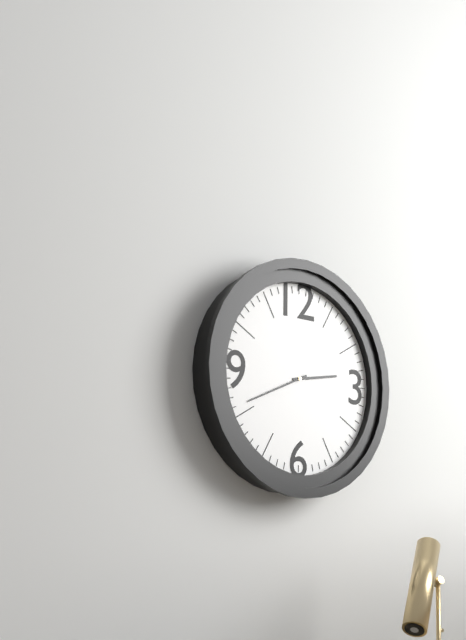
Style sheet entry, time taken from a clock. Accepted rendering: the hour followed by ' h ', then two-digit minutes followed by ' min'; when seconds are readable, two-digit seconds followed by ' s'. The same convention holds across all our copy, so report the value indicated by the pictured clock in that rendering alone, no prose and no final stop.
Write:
2 h 41 min
